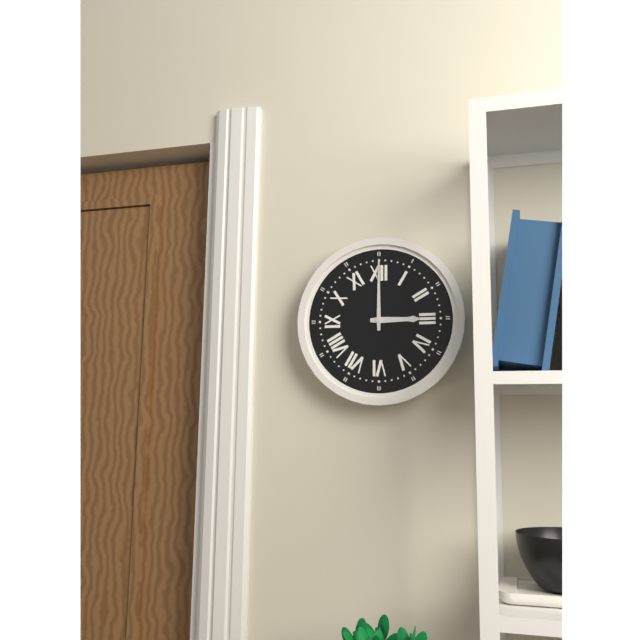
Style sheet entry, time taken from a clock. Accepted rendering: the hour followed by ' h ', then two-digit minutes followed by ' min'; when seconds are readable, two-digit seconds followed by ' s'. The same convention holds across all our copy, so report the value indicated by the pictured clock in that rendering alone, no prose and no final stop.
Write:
3 h 00 min
